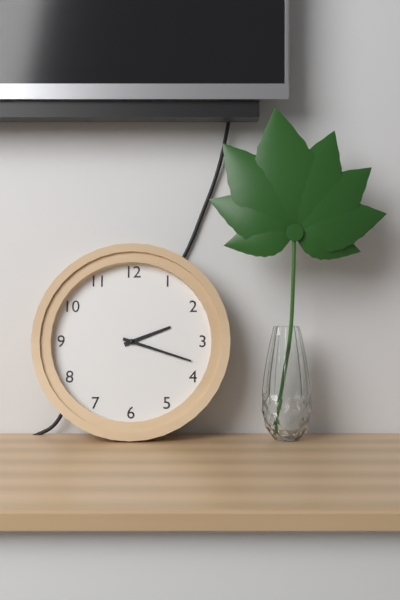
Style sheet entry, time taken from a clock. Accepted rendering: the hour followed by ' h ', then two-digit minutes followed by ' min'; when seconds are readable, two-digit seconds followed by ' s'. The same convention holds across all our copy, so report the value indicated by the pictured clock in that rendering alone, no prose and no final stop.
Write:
2 h 18 min
